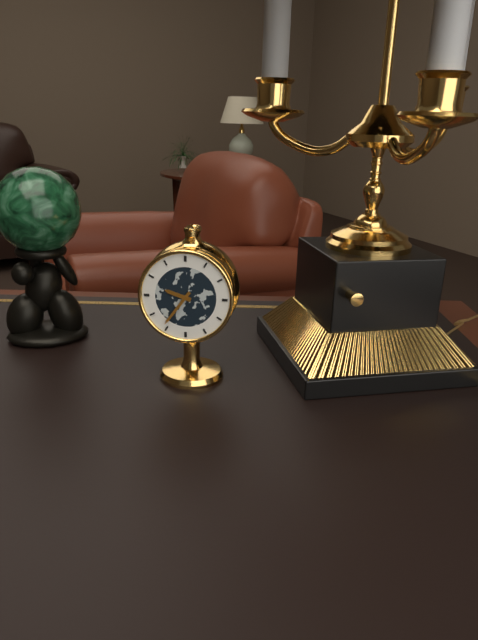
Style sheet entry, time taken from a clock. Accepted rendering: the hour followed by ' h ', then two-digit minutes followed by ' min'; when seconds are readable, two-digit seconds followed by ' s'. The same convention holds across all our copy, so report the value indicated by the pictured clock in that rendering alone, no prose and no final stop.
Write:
9 h 36 min
